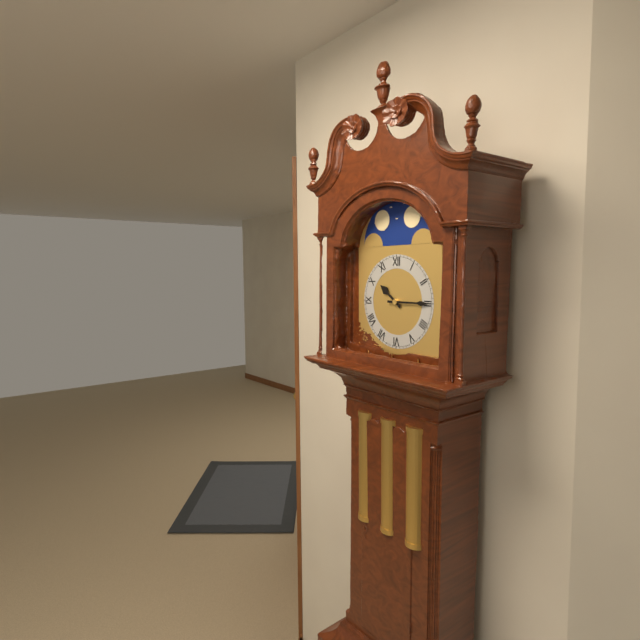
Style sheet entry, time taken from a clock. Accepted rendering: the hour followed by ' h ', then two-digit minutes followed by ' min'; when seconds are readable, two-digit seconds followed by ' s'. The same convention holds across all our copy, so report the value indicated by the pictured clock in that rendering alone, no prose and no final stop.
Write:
10 h 15 min
